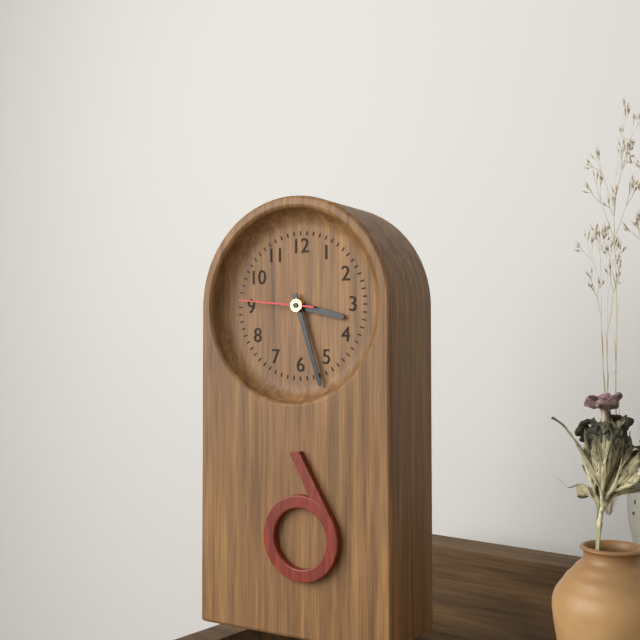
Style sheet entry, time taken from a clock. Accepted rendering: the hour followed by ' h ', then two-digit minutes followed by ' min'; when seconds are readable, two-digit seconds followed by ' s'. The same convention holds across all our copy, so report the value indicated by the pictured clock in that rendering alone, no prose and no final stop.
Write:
3 h 27 min 46 s
